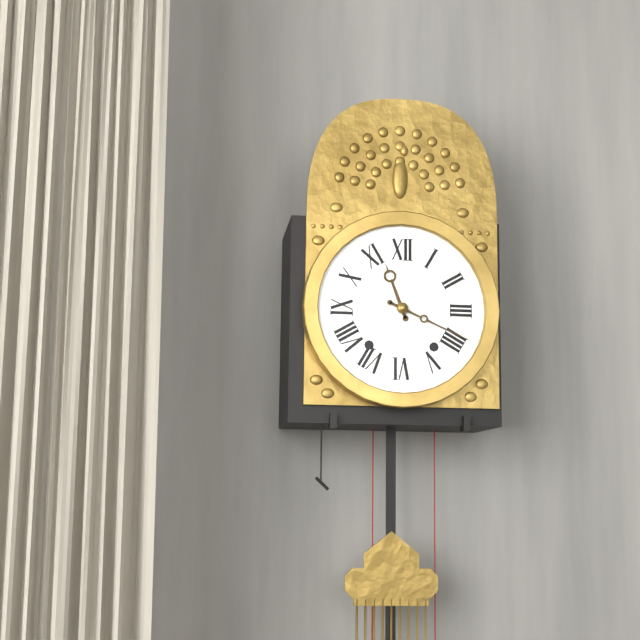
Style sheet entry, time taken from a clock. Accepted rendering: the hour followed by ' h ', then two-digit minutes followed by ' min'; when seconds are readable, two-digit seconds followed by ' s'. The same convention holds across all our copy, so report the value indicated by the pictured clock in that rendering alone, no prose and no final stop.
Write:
11 h 19 min
